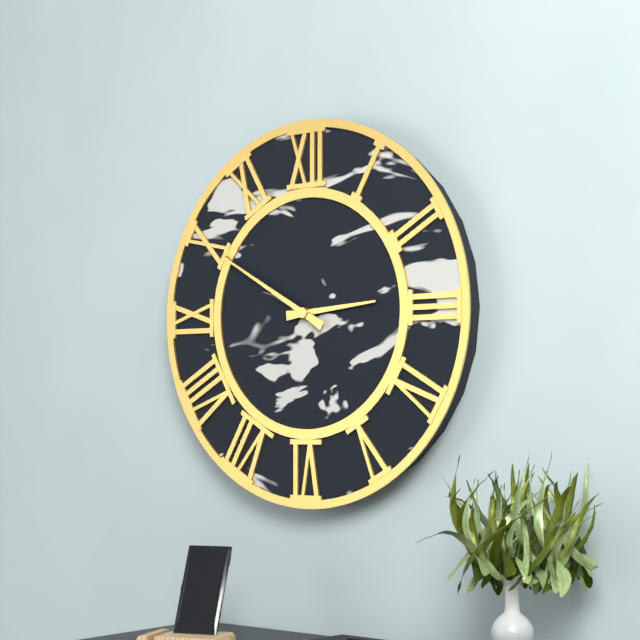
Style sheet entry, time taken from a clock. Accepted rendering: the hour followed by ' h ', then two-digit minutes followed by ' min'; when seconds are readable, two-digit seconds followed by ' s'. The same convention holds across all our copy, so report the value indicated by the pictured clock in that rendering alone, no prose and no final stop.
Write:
2 h 50 min
